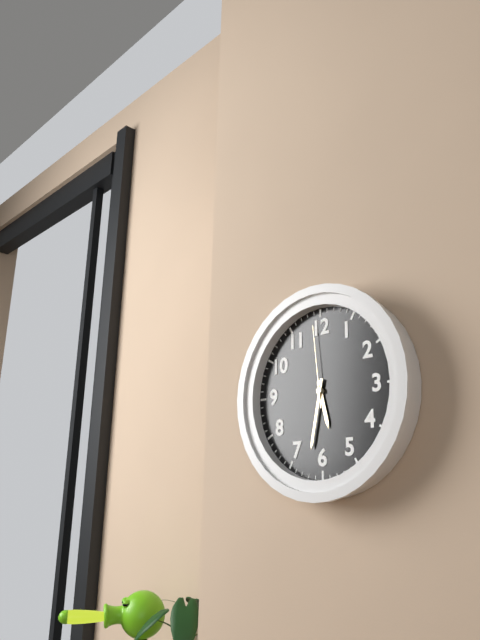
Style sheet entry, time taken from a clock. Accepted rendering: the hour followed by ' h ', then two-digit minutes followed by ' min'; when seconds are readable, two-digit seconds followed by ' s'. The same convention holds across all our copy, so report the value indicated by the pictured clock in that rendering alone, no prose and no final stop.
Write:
5 h 32 min 59 s
